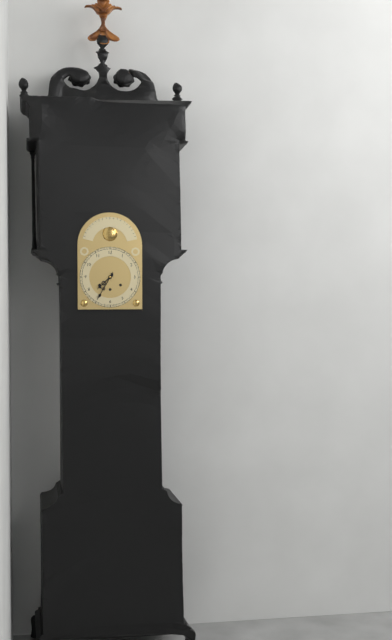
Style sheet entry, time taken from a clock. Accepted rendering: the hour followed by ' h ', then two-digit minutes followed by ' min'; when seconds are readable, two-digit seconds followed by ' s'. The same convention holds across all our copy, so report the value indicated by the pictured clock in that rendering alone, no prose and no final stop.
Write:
7 h 35 min
